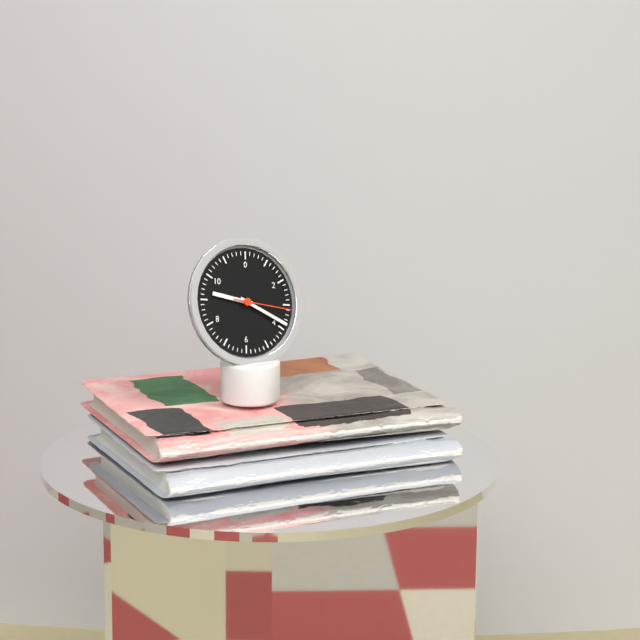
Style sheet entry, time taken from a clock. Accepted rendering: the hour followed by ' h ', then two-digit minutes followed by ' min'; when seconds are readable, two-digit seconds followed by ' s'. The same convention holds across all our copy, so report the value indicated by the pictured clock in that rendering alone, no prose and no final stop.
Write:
9 h 19 min 16 s
